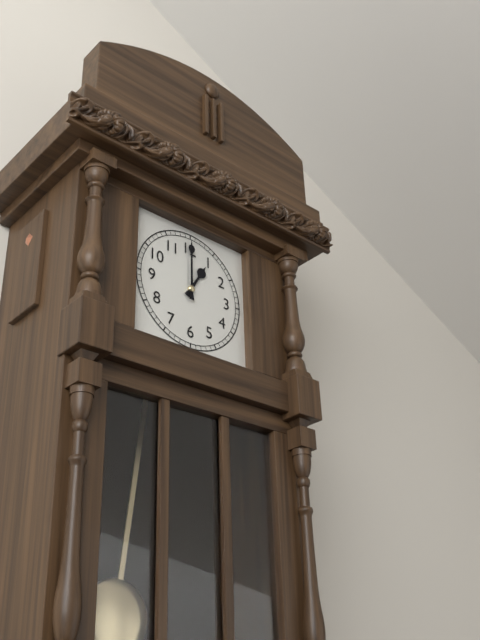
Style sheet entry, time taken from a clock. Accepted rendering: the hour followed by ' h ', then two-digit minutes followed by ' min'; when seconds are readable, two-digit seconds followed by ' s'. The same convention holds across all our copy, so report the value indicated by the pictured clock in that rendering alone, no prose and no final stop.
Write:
1 h 00 min
